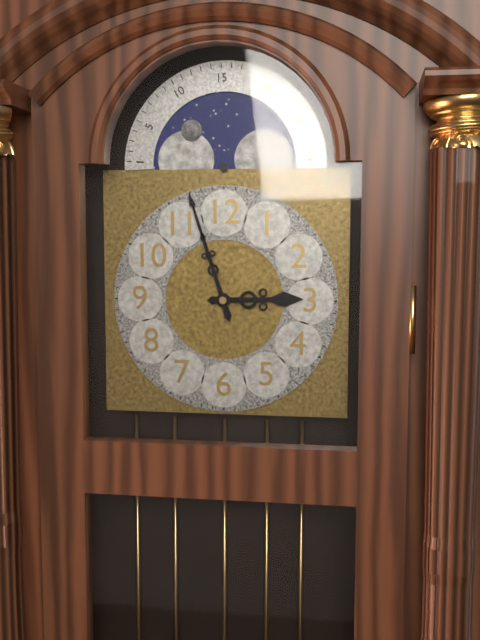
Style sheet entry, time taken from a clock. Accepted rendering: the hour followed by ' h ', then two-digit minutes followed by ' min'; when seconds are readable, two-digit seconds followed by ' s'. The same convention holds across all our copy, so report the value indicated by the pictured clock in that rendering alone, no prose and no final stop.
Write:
2 h 57 min
